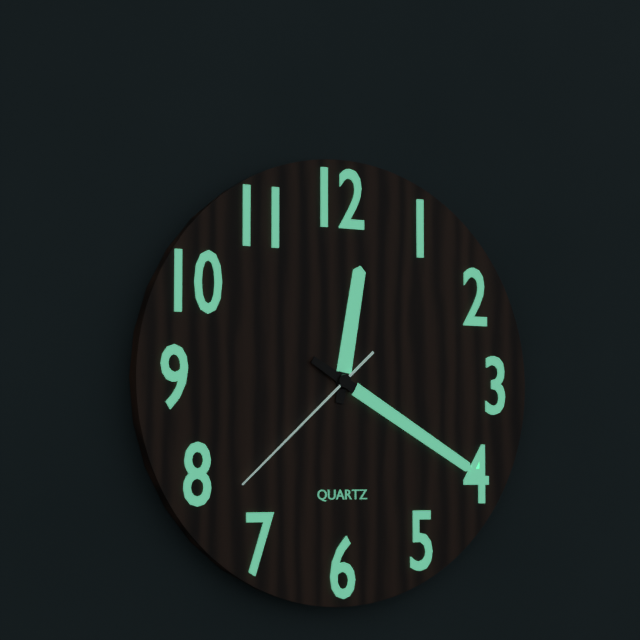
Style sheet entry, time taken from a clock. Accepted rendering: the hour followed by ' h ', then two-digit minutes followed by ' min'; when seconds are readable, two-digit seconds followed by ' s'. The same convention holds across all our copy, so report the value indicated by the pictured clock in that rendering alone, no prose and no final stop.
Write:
12 h 20 min 38 s
